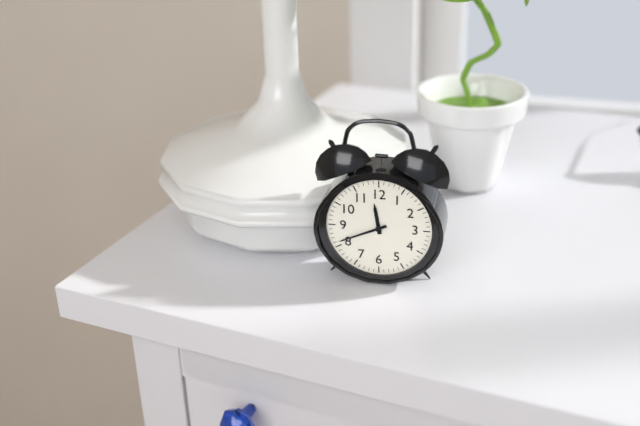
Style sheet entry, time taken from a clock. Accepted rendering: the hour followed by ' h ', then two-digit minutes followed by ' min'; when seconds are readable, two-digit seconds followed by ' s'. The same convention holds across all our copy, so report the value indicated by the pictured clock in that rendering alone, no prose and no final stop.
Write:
11 h 41 min
